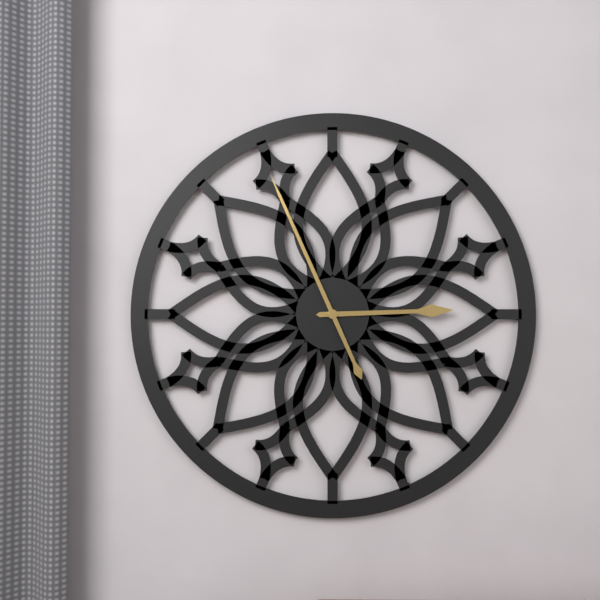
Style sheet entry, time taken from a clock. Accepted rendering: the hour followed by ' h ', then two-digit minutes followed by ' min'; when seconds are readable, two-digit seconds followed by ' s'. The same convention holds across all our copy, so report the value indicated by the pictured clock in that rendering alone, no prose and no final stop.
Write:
2 h 56 min
